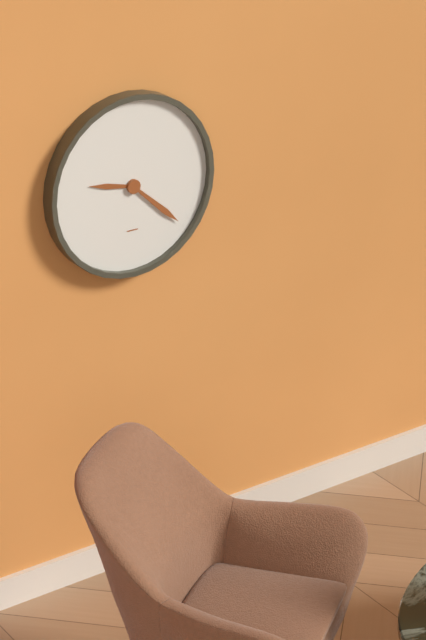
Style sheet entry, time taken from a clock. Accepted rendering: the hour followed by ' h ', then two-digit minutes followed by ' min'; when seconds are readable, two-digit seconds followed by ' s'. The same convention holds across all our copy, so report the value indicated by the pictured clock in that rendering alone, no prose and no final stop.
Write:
9 h 22 min
